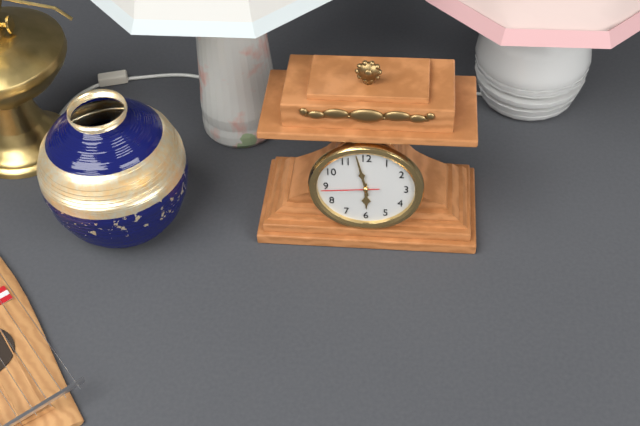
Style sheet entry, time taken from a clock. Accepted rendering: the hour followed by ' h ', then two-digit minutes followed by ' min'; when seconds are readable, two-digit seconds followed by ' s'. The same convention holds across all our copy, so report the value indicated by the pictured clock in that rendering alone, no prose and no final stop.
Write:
5 h 58 min 44 s
